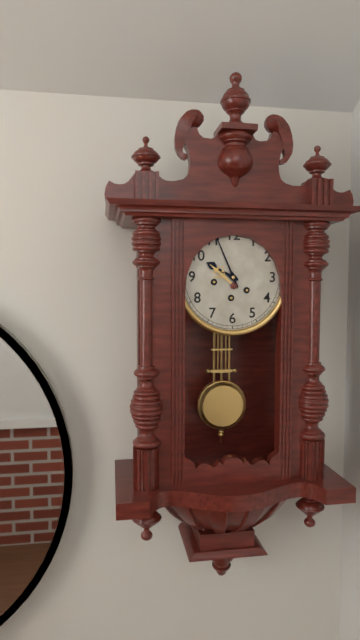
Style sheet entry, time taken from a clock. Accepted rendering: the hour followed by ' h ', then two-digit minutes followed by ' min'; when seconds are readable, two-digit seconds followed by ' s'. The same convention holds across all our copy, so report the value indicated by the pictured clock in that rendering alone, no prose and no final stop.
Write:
9 h 56 min
